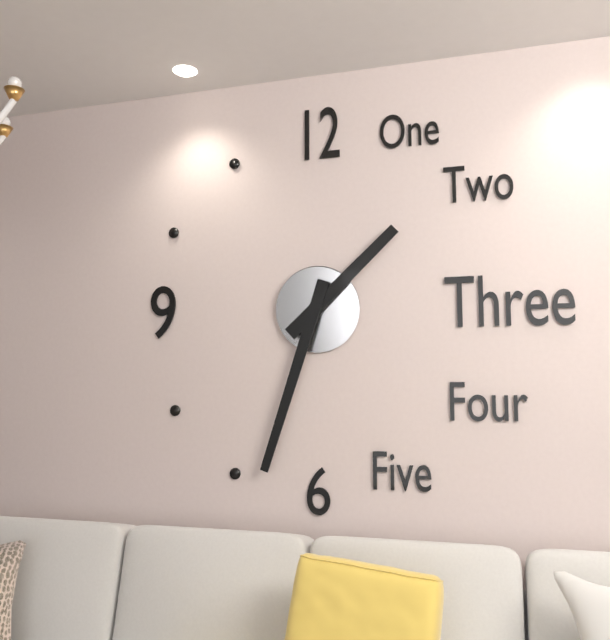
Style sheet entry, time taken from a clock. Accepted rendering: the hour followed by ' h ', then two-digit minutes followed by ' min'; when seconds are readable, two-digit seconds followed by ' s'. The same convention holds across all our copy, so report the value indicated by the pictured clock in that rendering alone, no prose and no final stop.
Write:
1 h 33 min
